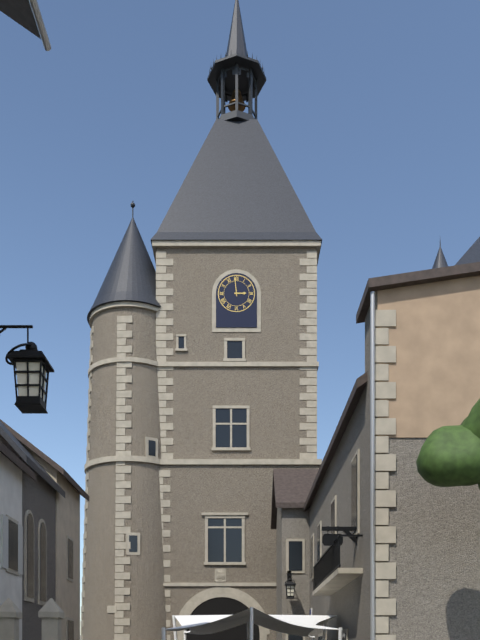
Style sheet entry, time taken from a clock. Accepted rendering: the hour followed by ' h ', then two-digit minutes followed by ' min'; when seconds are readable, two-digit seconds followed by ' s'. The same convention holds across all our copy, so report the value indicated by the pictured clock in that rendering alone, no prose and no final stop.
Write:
2 h 59 min
